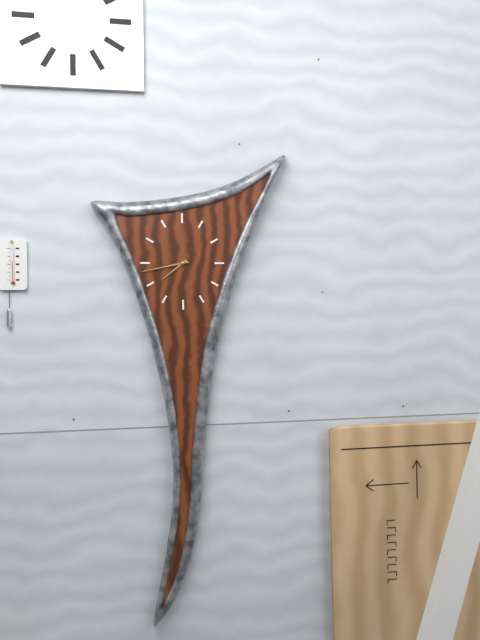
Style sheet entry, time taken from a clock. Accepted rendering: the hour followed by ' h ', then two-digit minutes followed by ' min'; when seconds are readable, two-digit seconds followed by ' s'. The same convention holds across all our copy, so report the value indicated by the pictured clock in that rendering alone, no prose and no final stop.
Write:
7 h 43 min
